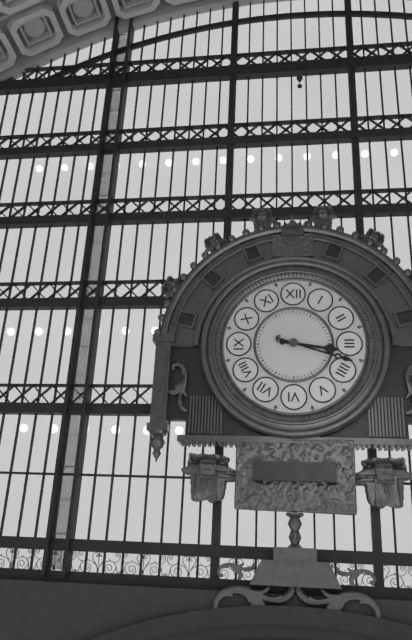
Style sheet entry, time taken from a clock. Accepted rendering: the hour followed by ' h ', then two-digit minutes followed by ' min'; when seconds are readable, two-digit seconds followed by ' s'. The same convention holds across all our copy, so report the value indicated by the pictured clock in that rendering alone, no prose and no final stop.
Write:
3 h 18 min
